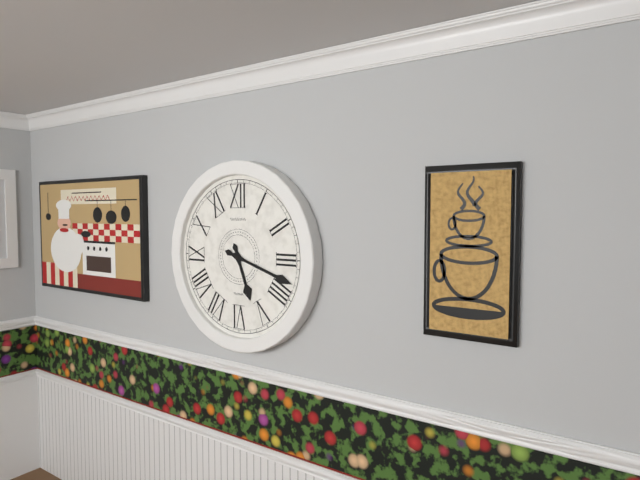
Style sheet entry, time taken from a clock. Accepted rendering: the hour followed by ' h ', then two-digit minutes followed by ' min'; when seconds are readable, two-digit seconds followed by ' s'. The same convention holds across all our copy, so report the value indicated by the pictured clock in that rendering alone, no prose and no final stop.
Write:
5 h 18 min
